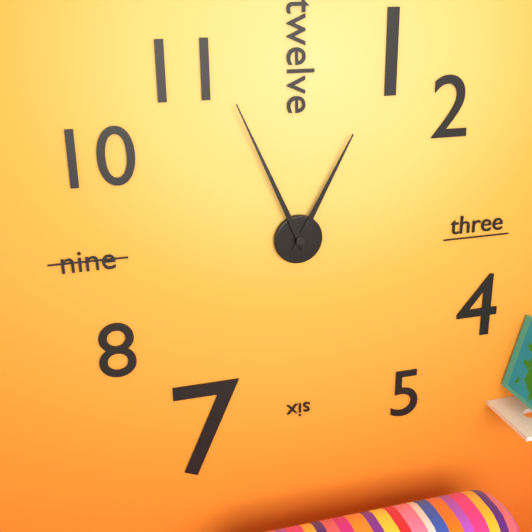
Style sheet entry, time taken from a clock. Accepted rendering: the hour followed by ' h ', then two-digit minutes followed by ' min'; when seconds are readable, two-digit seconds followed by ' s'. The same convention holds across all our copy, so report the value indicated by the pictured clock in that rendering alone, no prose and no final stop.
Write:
12 h 56 min
